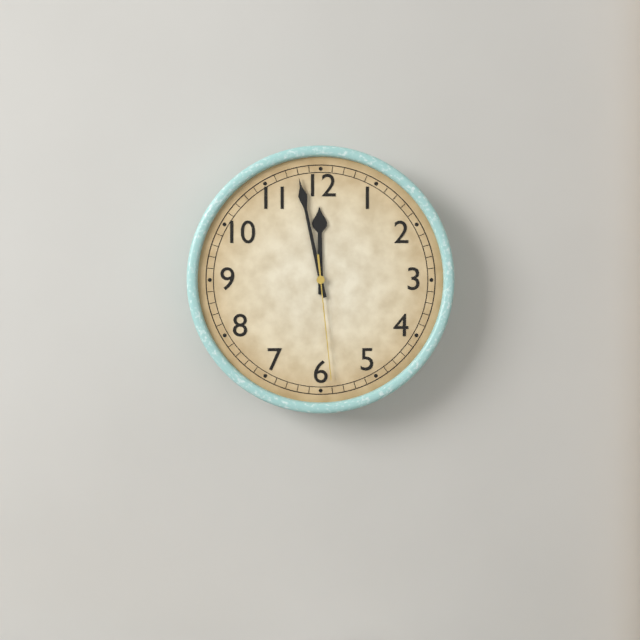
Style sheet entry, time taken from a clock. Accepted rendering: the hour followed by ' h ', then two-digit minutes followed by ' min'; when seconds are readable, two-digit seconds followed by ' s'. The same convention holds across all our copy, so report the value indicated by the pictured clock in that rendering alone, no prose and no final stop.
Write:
11 h 58 min 29 s
